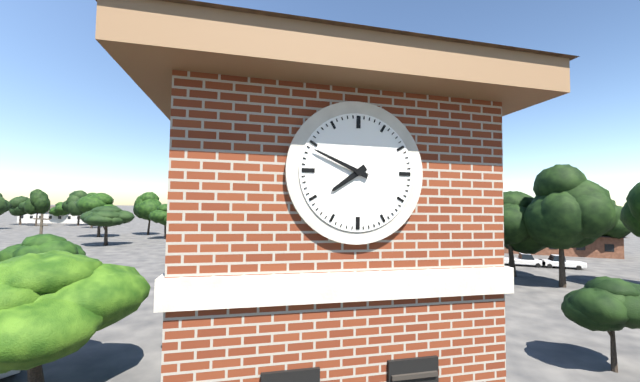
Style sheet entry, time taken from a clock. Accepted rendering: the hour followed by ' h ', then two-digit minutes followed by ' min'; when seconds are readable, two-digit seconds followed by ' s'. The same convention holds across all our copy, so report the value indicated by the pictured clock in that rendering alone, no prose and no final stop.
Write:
7 h 49 min
